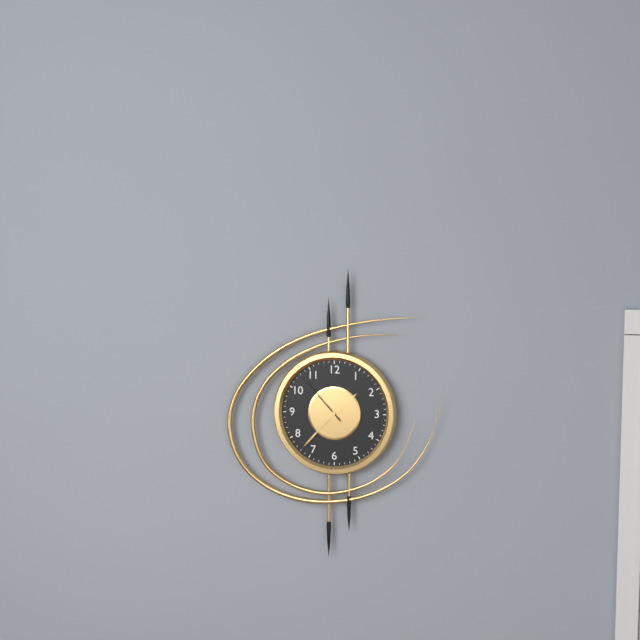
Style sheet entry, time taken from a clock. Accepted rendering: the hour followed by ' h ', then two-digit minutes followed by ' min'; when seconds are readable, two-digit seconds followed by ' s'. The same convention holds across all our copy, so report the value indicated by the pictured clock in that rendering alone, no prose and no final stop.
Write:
1 h 37 min 53 s
